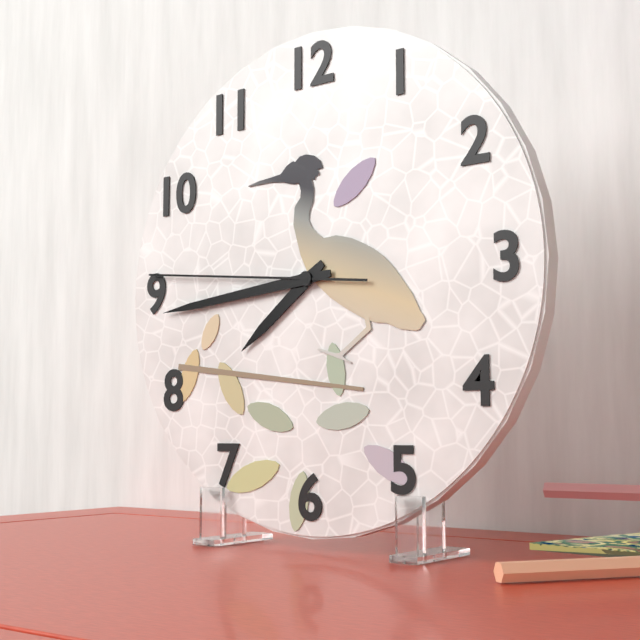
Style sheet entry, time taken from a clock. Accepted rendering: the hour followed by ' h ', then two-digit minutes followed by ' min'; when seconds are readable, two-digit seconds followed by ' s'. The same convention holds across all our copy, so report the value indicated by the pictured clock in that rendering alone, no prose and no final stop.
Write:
7 h 44 min 46 s
